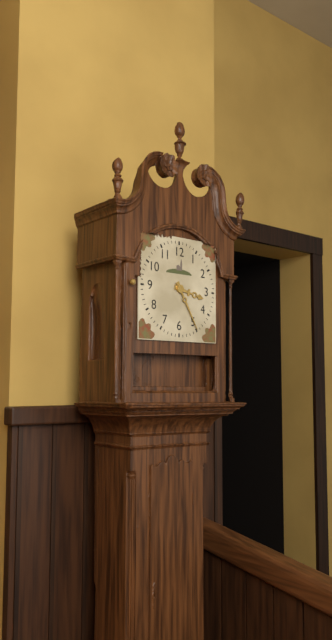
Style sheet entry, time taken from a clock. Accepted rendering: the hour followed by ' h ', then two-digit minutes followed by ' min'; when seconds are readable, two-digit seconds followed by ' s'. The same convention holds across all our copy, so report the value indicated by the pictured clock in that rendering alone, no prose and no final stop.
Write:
3 h 25 min
